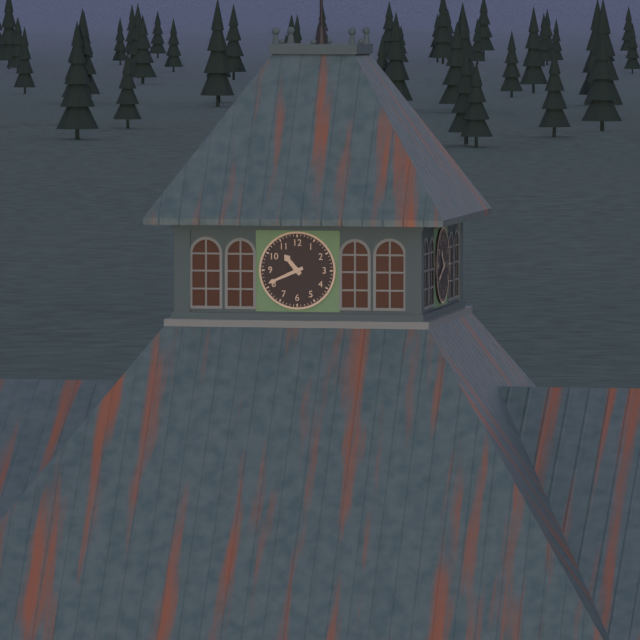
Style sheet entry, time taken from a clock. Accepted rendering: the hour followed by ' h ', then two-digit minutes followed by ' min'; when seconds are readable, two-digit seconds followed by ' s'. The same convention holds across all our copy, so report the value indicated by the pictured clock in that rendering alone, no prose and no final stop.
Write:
10 h 41 min
